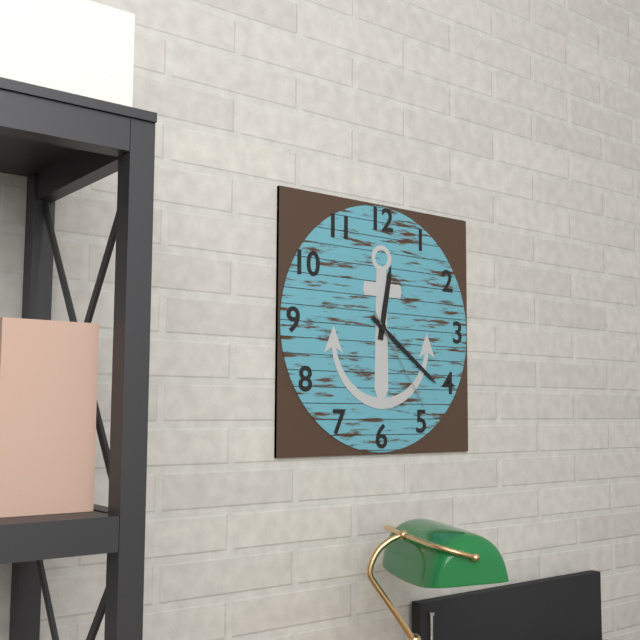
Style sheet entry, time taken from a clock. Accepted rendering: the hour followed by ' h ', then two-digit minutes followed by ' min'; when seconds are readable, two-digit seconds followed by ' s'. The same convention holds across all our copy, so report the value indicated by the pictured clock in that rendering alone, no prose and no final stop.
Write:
12 h 21 min 24 s
